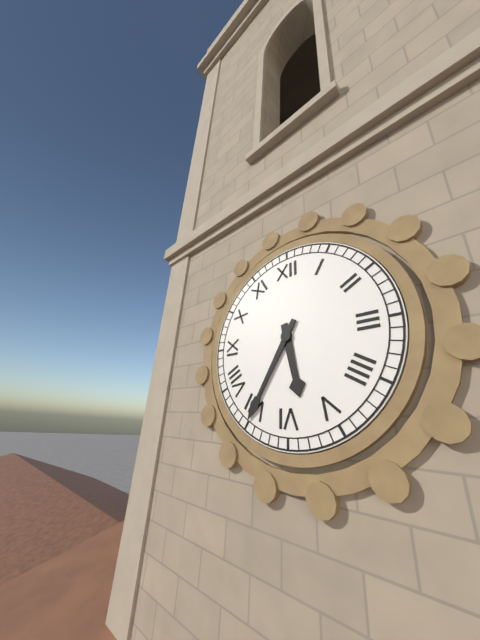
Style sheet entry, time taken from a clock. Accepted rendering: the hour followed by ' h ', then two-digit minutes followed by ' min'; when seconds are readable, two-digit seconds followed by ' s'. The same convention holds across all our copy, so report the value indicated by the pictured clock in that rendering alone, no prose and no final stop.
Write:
5 h 35 min
